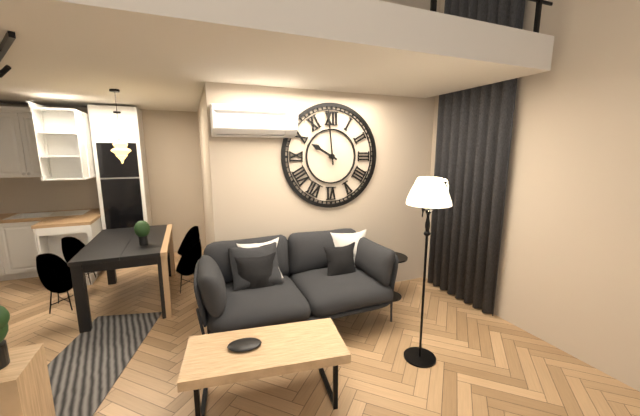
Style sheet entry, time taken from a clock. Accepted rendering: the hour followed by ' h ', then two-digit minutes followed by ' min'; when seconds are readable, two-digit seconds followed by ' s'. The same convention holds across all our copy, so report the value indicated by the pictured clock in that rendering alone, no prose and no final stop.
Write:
9 h 59 min
